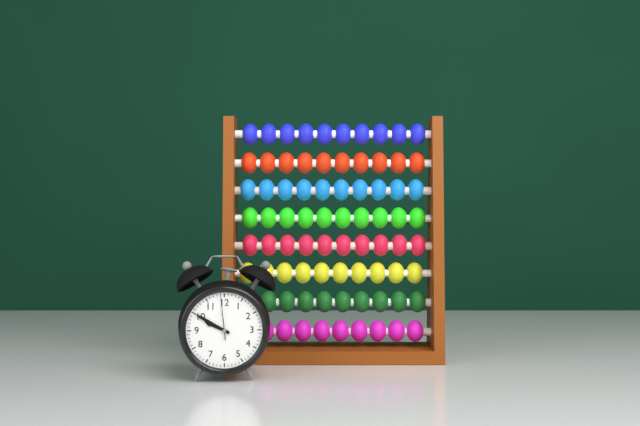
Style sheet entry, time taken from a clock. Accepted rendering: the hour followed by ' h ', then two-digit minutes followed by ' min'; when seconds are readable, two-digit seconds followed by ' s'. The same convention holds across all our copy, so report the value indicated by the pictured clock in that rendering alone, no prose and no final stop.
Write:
9 h 50 min
